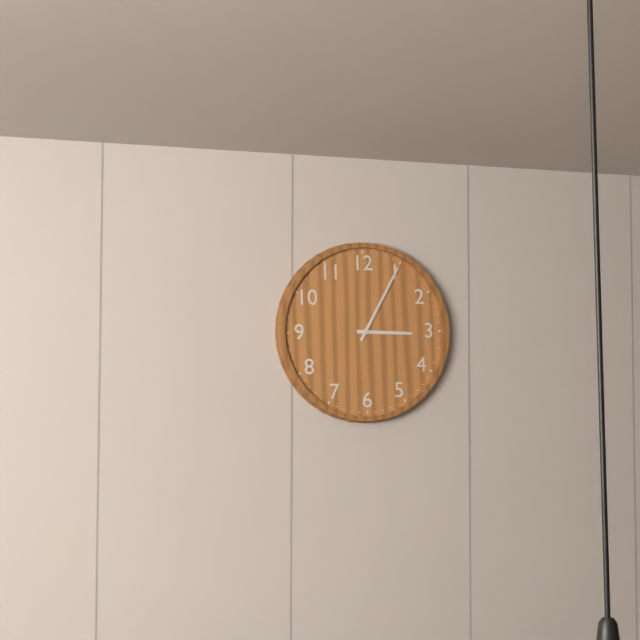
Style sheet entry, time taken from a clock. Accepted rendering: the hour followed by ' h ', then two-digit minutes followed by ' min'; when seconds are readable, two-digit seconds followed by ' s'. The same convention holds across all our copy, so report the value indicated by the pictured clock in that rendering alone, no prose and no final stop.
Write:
3 h 05 min
